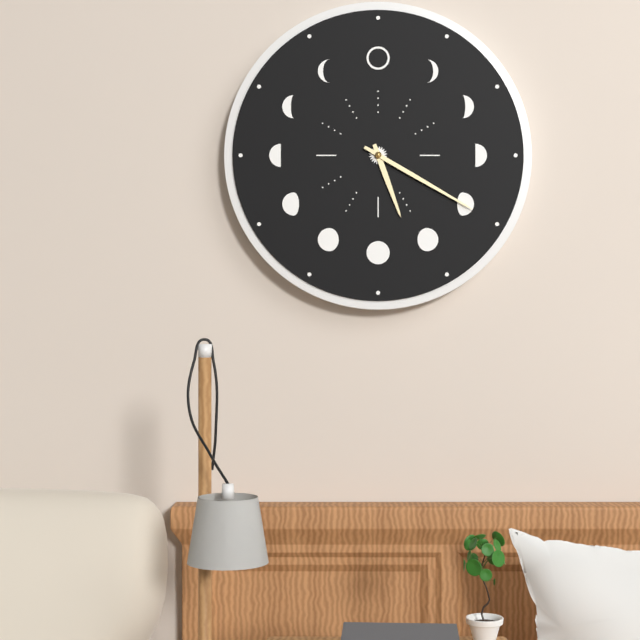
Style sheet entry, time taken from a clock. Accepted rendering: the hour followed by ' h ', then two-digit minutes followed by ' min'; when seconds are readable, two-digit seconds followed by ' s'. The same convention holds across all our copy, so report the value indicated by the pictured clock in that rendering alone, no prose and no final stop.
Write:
5 h 20 min
